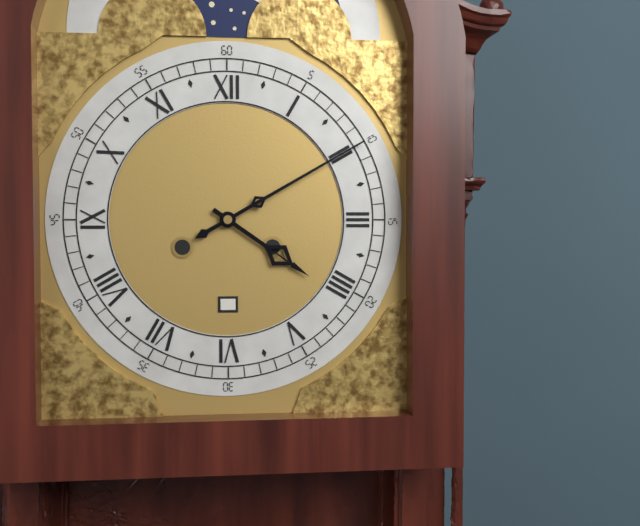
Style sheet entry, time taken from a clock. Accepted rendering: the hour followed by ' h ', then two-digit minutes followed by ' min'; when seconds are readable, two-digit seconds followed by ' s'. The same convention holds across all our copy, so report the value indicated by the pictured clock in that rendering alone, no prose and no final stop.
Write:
4 h 10 min
